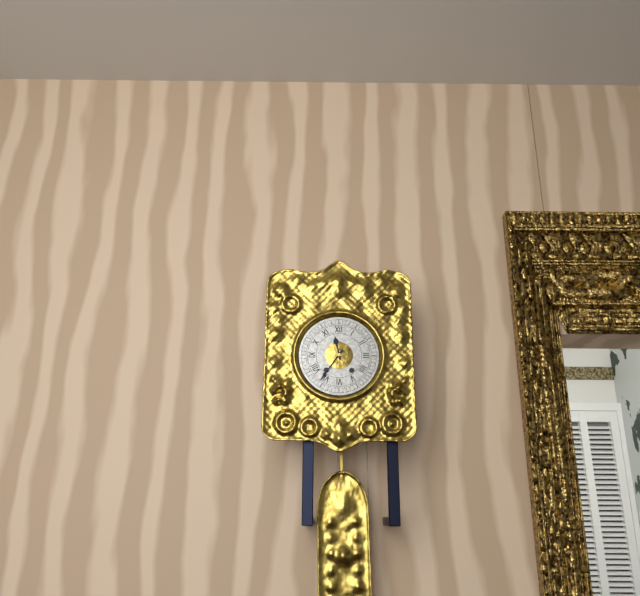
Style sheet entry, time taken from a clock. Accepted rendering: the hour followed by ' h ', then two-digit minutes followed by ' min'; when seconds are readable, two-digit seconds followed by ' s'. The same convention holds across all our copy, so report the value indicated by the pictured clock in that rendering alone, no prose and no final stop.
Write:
11 h 36 min
